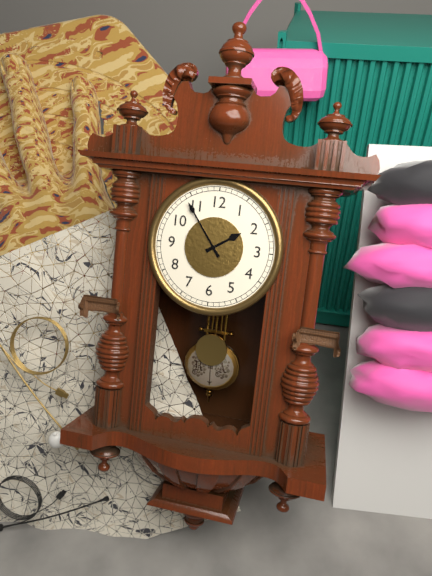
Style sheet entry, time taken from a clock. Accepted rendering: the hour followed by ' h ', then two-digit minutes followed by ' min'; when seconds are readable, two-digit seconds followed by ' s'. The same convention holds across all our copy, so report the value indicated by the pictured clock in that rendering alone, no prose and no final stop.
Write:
1 h 54 min
